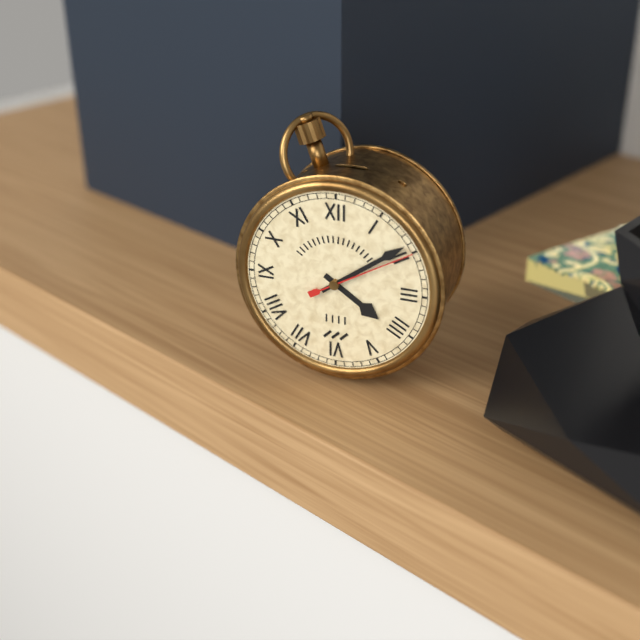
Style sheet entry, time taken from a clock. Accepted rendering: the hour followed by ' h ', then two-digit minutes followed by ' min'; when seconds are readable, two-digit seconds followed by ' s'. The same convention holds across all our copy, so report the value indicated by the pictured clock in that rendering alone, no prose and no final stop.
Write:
4 h 09 min 10 s
